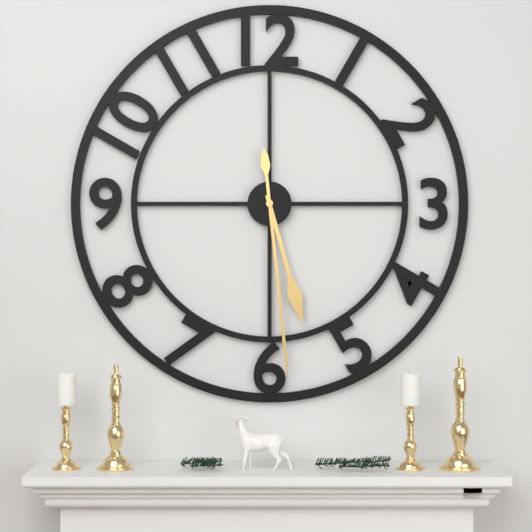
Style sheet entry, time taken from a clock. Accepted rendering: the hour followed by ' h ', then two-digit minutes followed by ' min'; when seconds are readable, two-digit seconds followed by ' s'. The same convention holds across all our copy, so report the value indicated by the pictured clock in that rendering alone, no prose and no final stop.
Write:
5 h 29 min
